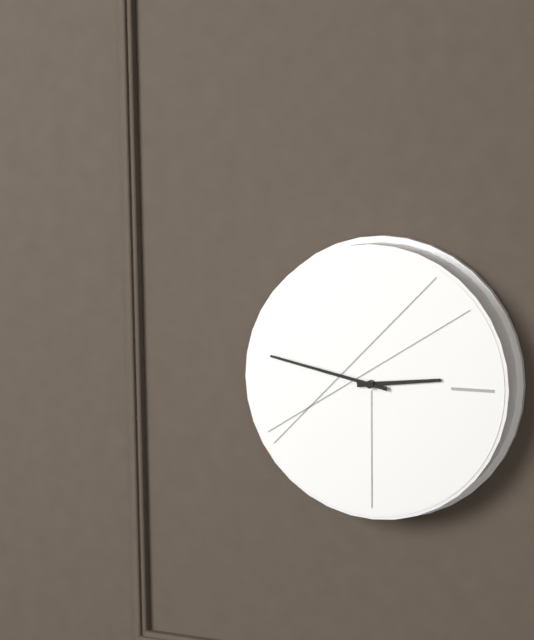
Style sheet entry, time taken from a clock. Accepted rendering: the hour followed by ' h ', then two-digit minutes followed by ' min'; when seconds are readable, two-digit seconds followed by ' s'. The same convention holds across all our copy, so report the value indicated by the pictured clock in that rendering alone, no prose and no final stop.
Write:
2 h 47 min
